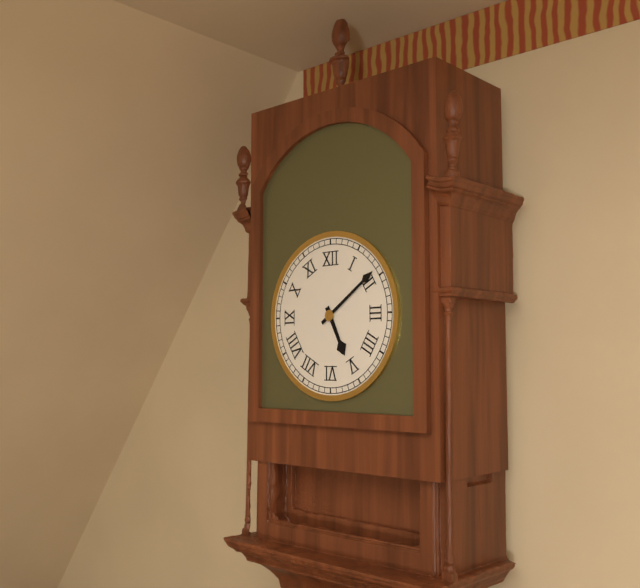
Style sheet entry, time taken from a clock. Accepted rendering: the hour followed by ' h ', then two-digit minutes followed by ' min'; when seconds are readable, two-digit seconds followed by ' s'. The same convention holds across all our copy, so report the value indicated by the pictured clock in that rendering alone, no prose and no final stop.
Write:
5 h 09 min
